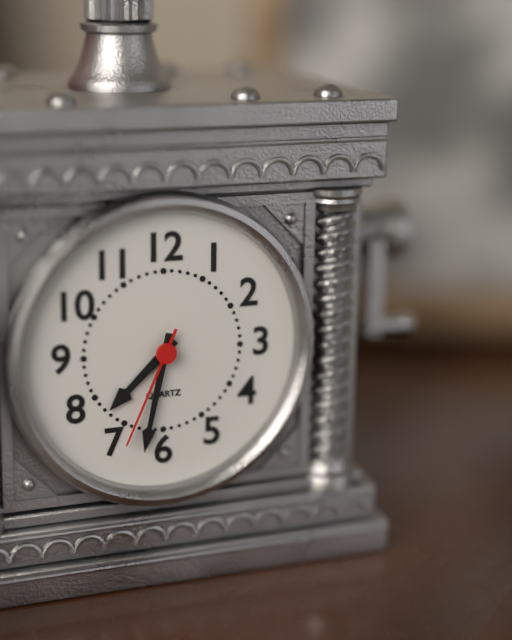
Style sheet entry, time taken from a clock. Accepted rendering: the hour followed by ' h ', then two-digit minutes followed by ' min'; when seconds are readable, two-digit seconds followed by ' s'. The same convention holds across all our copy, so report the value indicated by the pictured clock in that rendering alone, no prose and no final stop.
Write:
7 h 32 min 34 s
